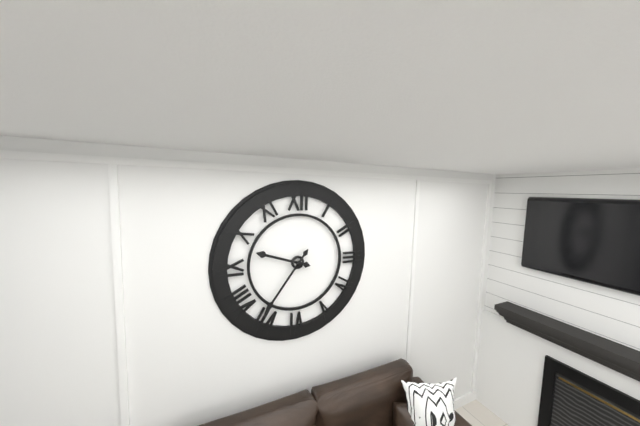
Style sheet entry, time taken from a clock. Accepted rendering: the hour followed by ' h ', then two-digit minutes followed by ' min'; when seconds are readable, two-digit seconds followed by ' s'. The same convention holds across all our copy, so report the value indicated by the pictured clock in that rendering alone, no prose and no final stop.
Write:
9 h 36 min
